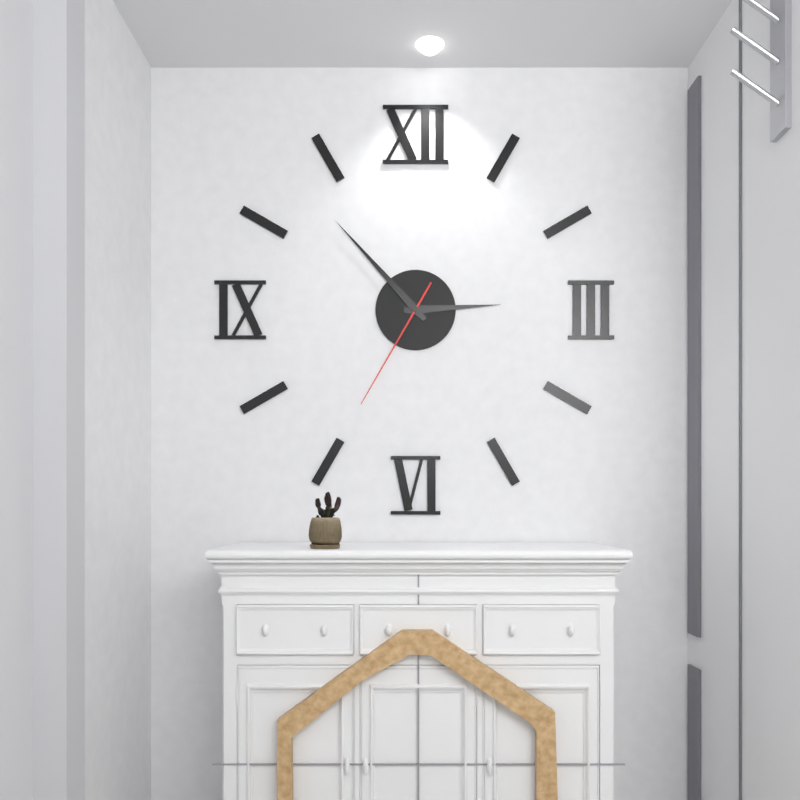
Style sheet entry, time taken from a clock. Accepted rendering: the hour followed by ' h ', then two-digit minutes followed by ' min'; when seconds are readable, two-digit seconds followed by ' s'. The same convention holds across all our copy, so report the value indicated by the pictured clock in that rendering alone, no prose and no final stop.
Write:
2 h 53 min 35 s
